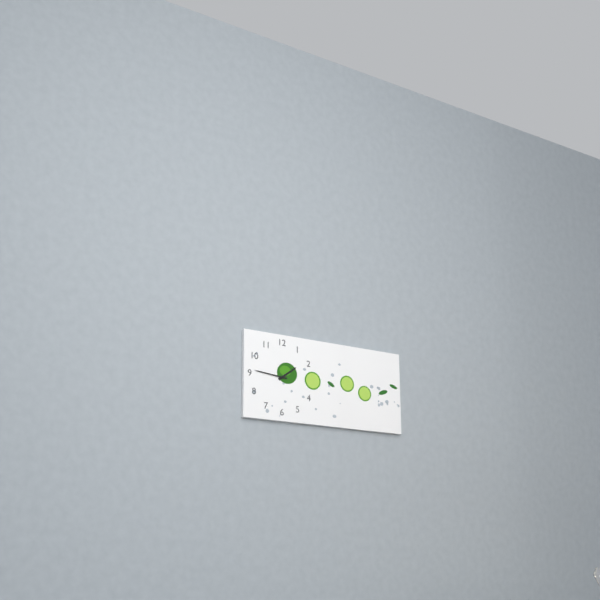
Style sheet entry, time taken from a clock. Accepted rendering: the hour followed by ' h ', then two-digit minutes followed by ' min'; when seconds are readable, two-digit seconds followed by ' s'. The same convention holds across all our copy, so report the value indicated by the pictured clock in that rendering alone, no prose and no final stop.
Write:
1 h 46 min
